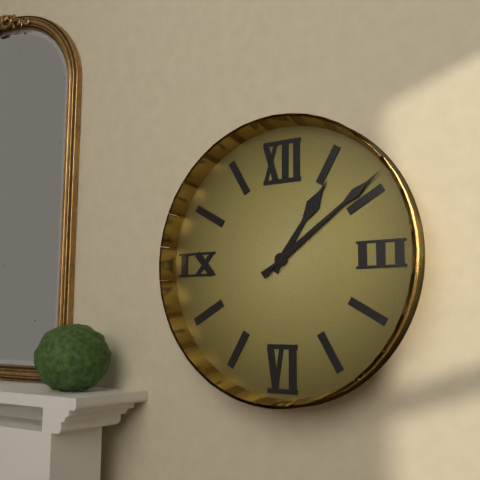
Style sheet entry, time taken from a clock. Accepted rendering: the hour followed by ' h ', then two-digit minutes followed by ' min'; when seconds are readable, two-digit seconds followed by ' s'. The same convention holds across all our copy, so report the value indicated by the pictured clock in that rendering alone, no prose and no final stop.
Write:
1 h 09 min
